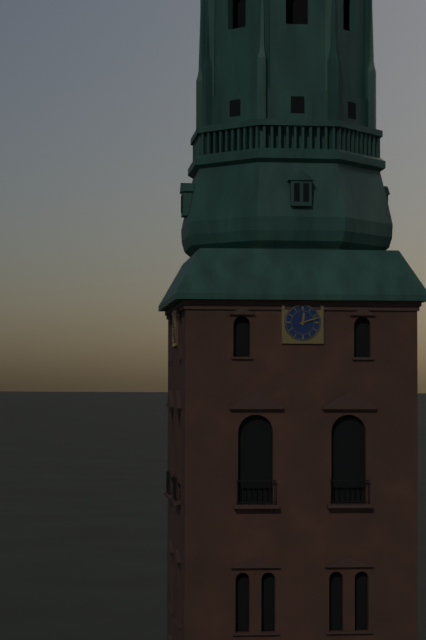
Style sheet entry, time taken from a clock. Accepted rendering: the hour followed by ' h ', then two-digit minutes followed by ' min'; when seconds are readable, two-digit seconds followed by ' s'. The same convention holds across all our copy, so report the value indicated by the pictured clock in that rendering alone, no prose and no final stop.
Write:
12 h 12 min
